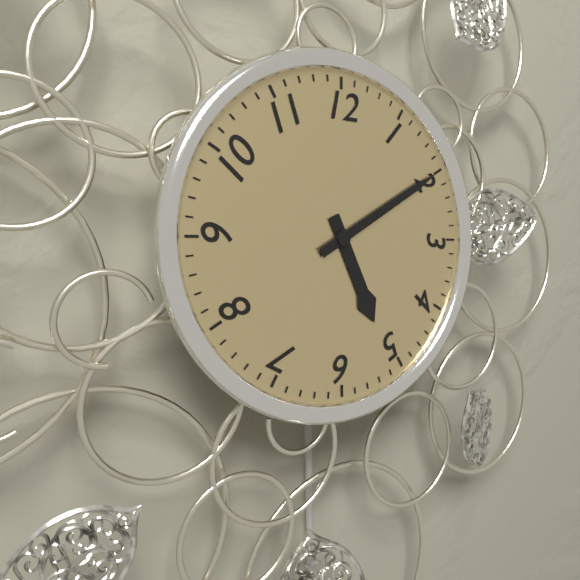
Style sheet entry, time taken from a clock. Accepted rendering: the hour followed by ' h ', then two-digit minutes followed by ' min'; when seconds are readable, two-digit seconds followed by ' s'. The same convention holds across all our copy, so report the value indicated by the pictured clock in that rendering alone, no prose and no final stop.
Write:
5 h 10 min
